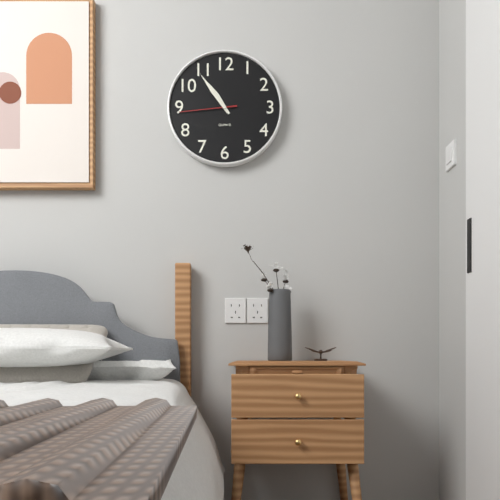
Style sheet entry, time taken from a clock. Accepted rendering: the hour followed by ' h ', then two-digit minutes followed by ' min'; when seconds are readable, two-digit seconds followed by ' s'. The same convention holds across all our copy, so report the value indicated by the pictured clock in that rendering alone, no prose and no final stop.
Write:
10 h 54 min 44 s
